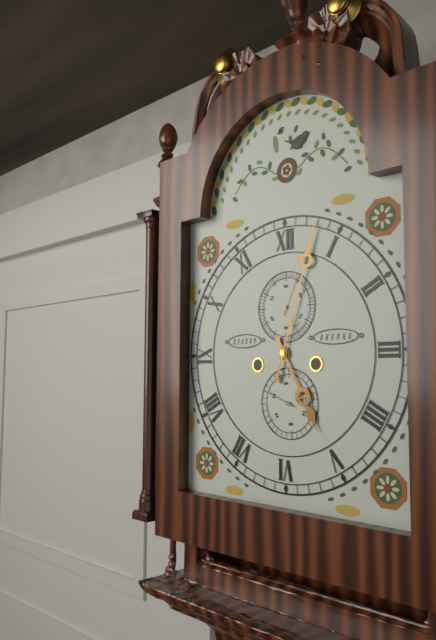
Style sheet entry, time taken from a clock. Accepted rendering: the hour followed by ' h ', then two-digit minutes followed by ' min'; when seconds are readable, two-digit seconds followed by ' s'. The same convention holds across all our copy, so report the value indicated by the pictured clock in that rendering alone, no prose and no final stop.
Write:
5 h 03 min
